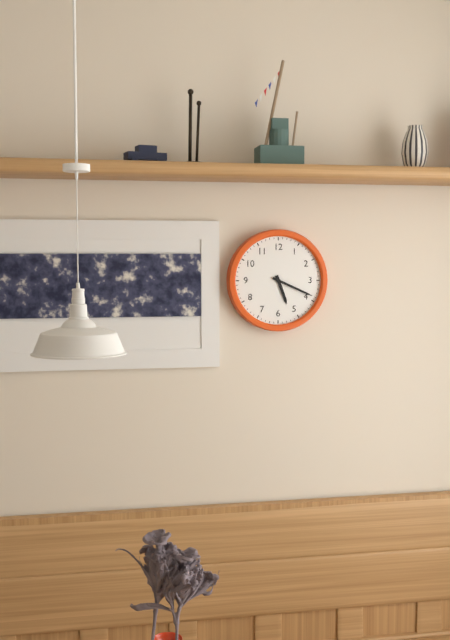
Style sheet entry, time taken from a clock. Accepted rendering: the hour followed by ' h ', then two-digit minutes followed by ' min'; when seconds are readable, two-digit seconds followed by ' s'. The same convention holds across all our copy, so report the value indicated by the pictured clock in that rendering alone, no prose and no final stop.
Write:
5 h 19 min
